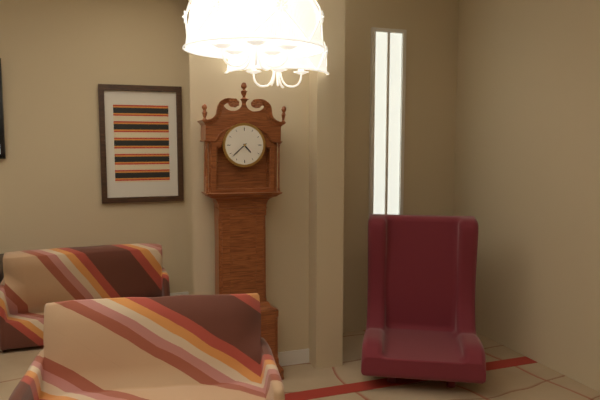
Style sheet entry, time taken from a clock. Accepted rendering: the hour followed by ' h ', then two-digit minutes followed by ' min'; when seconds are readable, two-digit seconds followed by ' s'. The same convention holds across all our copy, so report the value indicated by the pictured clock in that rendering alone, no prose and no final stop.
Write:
4 h 38 min
